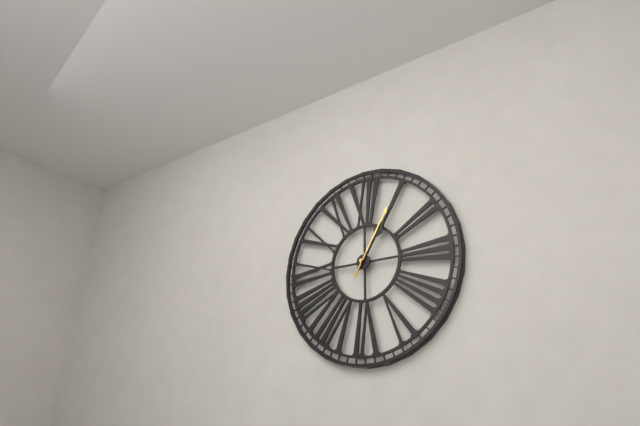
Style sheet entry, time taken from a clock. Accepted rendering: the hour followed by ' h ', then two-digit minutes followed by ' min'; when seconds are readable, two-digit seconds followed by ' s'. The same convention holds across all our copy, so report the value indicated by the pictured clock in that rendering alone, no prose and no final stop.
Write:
1 h 05 min
